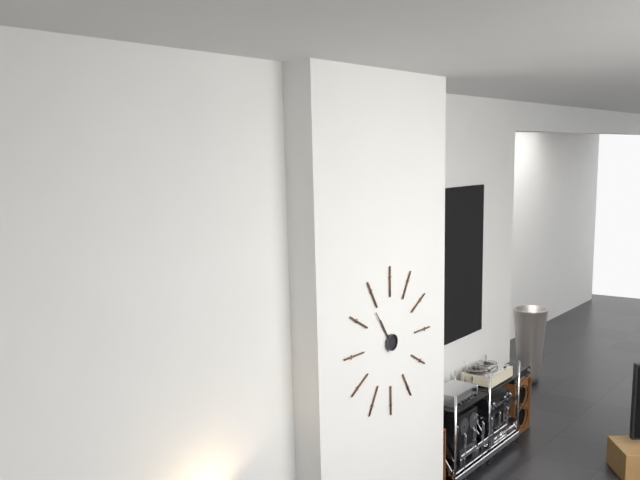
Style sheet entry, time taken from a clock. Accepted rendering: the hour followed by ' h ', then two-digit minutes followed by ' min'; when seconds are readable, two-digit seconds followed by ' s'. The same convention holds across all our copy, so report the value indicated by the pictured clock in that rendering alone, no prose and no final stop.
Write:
10 h 54 min
